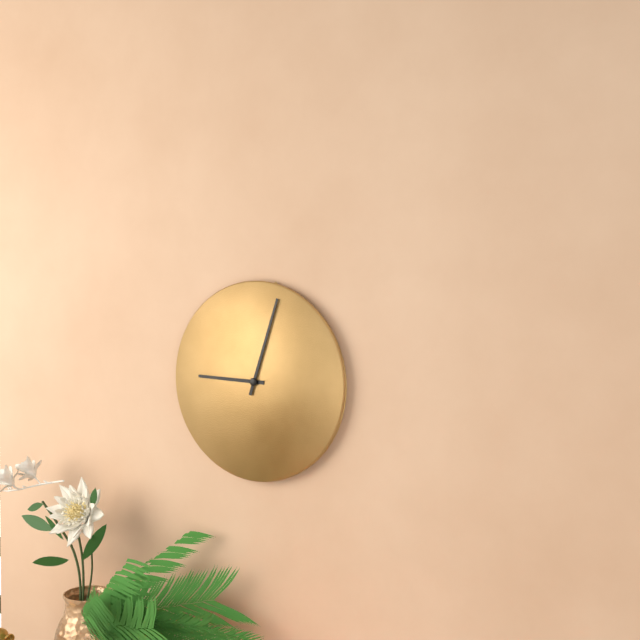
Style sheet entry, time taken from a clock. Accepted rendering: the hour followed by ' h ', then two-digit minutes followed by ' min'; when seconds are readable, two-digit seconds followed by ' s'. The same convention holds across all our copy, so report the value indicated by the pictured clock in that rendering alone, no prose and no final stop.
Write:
9 h 03 min
